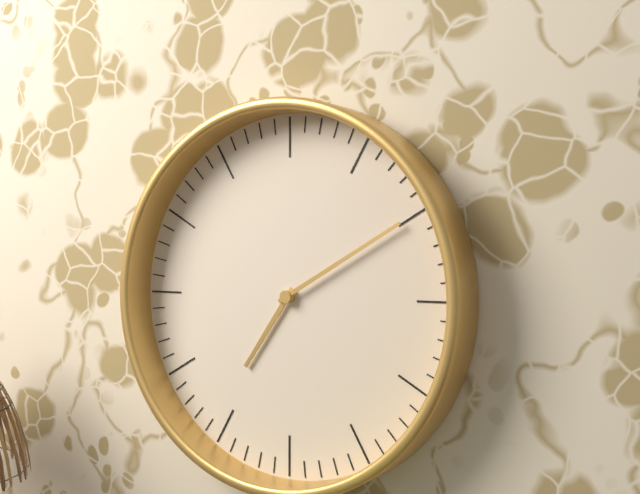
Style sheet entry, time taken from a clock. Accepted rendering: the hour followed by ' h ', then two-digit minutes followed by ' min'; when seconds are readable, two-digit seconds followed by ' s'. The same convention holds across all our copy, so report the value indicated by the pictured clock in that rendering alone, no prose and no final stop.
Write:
7 h 10 min
